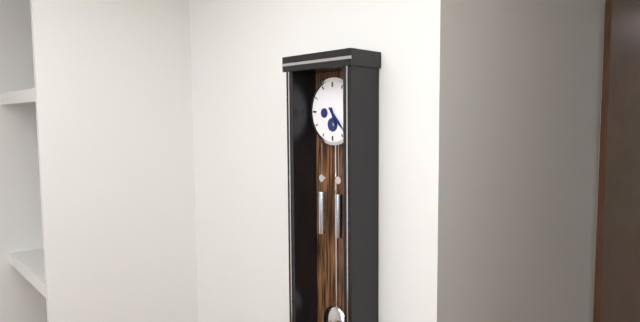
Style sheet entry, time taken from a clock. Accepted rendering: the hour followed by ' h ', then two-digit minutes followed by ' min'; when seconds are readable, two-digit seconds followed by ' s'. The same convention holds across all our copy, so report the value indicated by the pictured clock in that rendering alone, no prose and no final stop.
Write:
5 h 23 min
